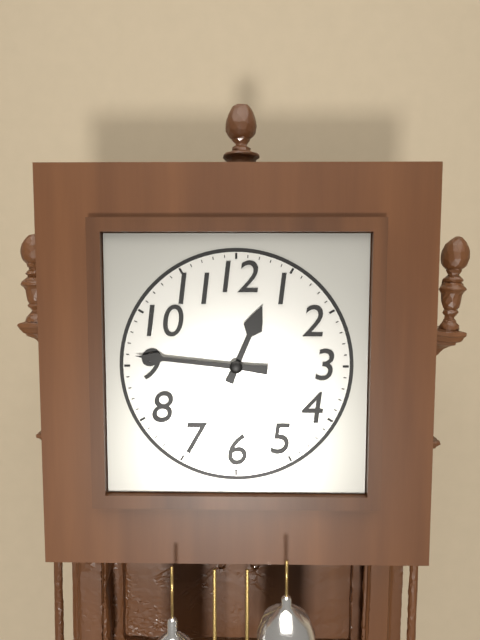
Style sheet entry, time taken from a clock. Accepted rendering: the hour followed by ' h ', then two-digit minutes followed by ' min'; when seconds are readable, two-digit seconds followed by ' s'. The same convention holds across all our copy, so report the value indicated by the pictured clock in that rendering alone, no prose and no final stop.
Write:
12 h 46 min
